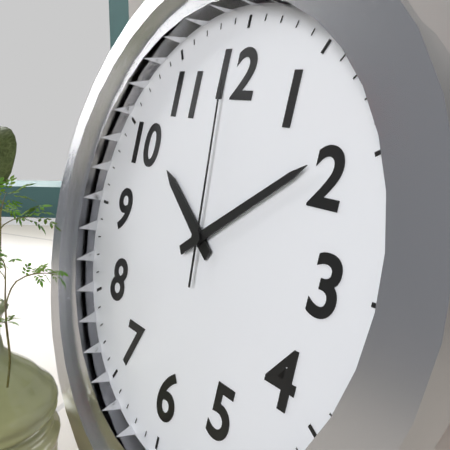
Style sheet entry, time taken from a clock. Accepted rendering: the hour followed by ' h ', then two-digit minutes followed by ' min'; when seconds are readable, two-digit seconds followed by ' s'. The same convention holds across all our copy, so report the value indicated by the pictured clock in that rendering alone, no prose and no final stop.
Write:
10 h 09 min 59 s
